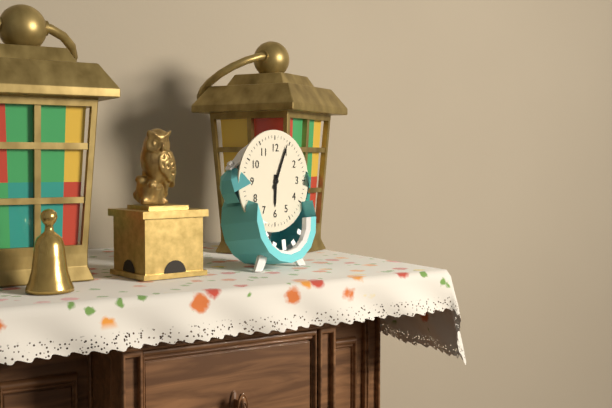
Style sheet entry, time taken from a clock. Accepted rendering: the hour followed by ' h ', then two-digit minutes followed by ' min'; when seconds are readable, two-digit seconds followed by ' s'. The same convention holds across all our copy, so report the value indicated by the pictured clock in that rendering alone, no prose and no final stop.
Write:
6 h 04 min
